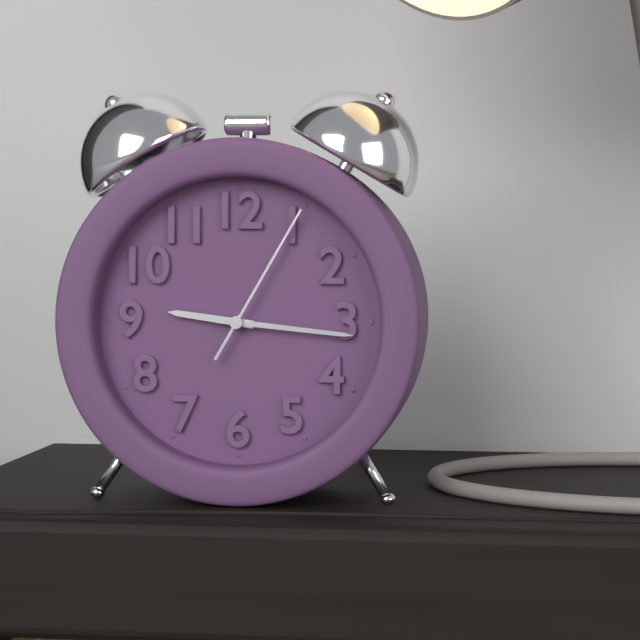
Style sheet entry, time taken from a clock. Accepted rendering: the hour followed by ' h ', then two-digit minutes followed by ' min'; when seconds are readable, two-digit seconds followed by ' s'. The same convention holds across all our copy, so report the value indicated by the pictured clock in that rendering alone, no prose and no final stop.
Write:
9 h 16 min 05 s
